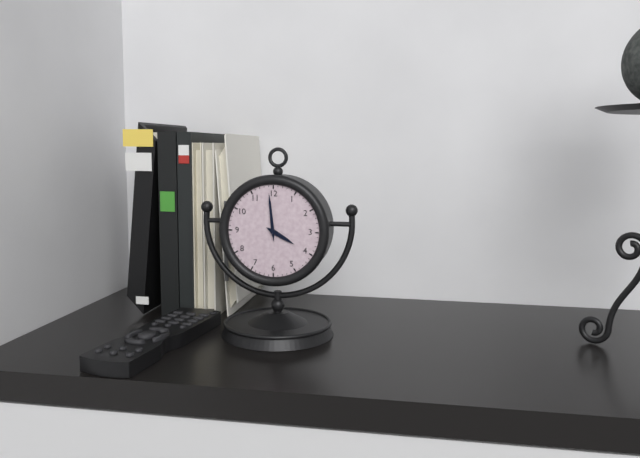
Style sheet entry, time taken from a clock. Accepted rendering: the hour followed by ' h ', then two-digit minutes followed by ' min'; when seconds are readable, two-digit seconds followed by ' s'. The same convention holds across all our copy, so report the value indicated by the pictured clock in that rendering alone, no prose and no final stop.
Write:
3 h 59 min
